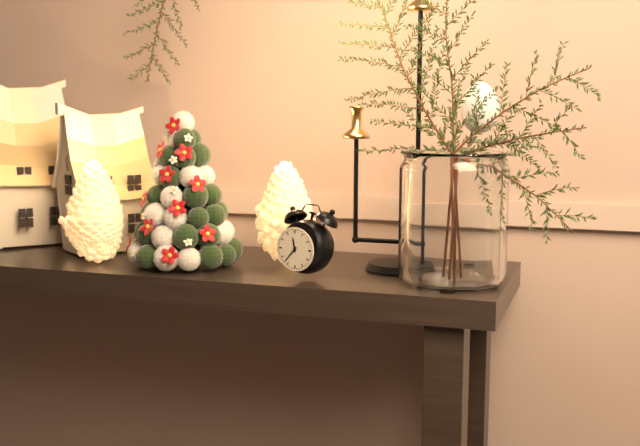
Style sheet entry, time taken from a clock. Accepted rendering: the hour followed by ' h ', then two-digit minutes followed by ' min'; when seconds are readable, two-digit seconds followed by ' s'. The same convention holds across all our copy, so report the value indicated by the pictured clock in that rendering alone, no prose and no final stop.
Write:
11 h 37 min
